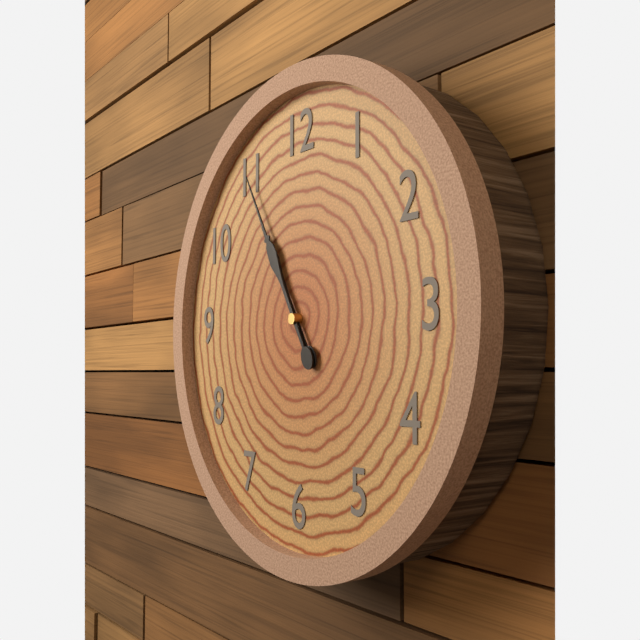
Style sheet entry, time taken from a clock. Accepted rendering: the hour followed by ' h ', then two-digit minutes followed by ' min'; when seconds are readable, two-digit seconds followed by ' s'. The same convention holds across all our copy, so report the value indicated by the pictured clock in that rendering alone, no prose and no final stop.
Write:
10 h 55 min
